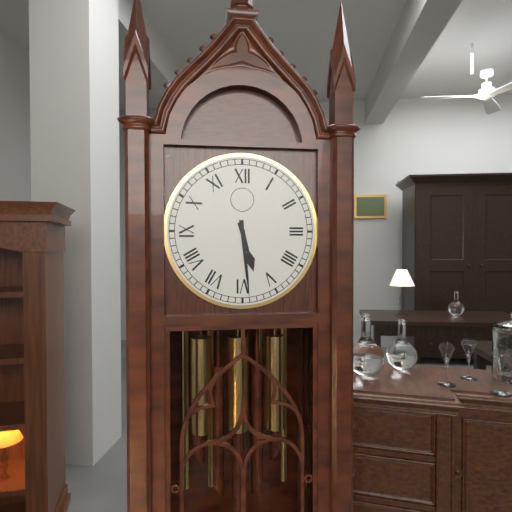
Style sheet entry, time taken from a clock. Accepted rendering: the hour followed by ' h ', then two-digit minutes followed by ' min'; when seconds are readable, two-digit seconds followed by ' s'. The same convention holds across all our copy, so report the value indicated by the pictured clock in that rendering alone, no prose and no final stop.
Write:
5 h 29 min
